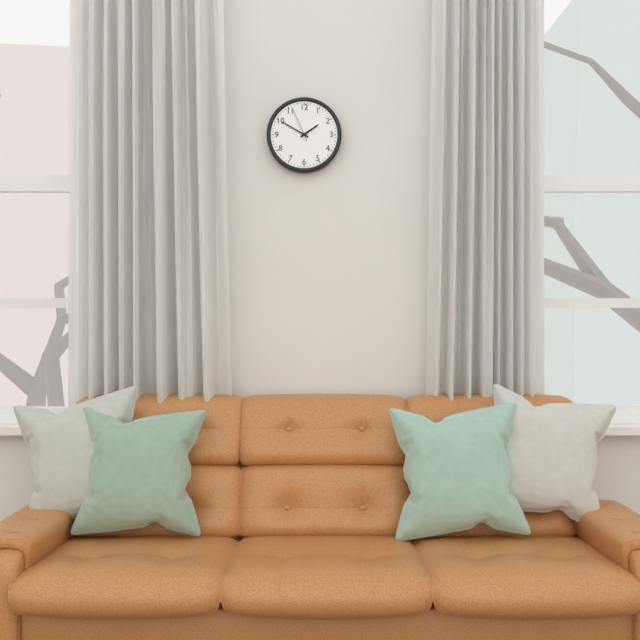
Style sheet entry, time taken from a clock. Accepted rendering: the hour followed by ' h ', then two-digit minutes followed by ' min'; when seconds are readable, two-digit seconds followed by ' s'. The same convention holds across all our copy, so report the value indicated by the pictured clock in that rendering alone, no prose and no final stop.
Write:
1 h 50 min
